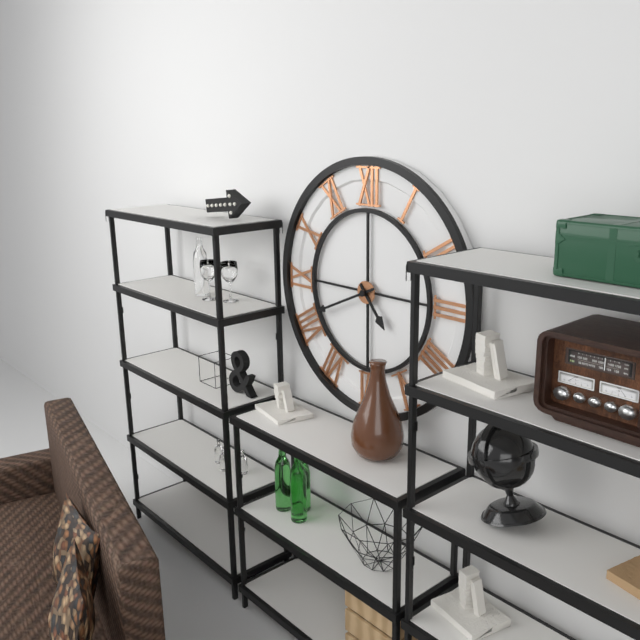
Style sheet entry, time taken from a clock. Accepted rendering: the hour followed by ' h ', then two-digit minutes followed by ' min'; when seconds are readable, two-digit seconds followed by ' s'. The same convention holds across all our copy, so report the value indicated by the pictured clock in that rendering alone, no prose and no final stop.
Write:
4 h 41 min
